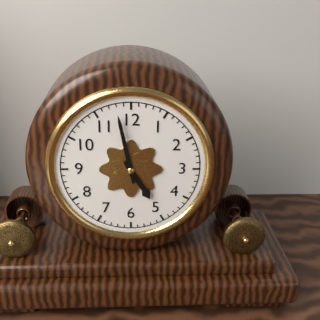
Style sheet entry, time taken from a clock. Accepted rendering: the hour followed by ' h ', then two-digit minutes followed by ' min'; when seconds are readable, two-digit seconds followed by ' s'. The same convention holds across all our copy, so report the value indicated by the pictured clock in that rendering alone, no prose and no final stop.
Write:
4 h 58 min
